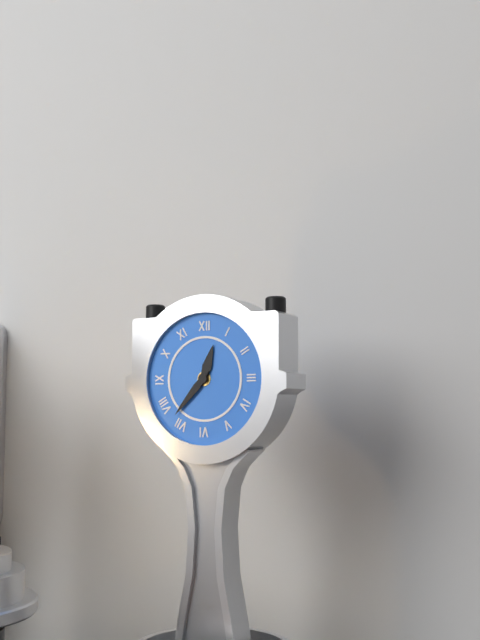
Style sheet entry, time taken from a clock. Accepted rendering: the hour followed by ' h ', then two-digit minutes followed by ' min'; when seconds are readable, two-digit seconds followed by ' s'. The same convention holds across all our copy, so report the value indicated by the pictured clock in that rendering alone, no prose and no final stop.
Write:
12 h 37 min
